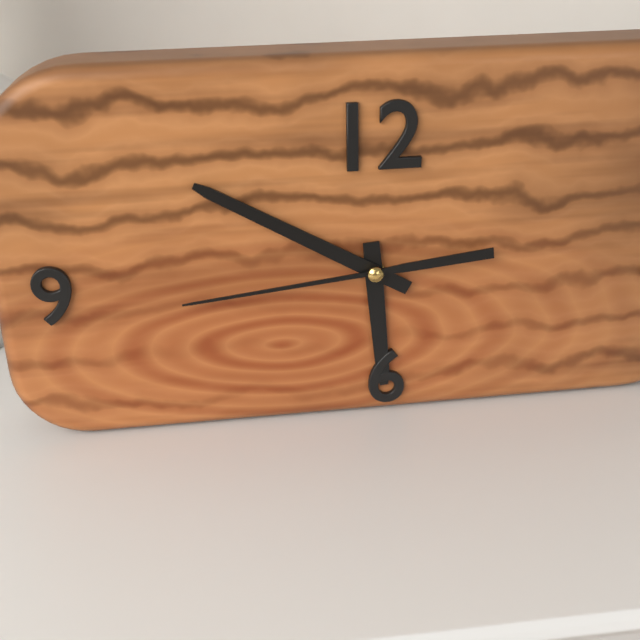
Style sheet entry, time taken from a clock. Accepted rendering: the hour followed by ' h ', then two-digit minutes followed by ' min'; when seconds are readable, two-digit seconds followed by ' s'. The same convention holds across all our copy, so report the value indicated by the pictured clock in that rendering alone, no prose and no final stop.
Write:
5 h 50 min 44 s
